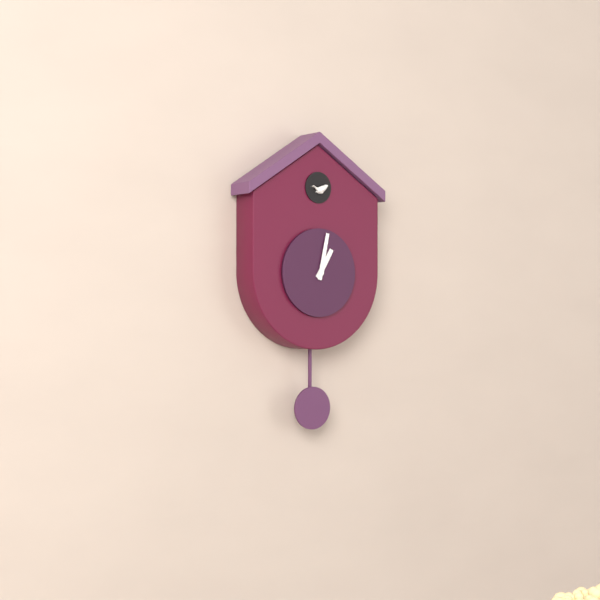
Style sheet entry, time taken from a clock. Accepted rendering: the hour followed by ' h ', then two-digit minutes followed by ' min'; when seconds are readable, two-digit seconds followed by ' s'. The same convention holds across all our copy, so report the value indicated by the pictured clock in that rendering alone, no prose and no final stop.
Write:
1 h 02 min
